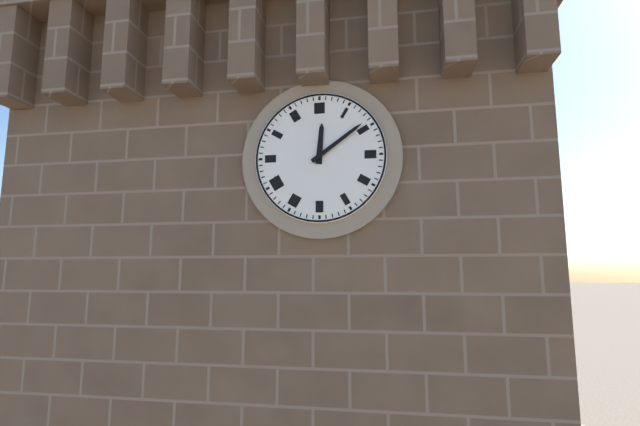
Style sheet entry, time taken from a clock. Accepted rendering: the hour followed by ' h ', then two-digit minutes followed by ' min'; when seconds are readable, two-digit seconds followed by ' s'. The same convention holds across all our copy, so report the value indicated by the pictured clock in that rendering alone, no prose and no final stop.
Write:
12 h 09 min
